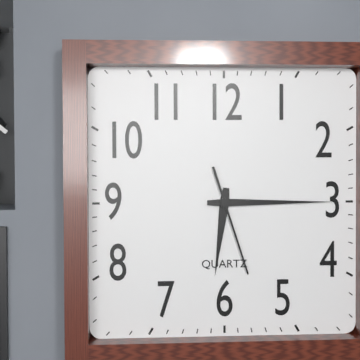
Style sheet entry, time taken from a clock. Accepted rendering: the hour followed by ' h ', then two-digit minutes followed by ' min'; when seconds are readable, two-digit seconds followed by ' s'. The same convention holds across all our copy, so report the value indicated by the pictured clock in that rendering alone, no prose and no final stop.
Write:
6 h 15 min 27 s
